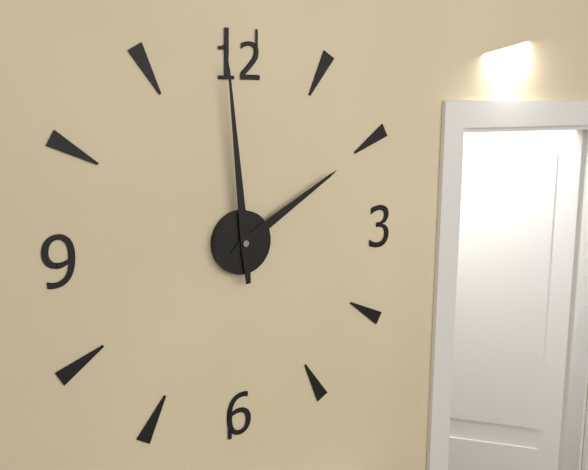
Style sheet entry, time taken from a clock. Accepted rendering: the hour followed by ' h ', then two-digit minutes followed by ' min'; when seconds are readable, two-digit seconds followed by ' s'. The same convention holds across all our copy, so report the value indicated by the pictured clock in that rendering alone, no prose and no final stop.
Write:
1 h 59 min
